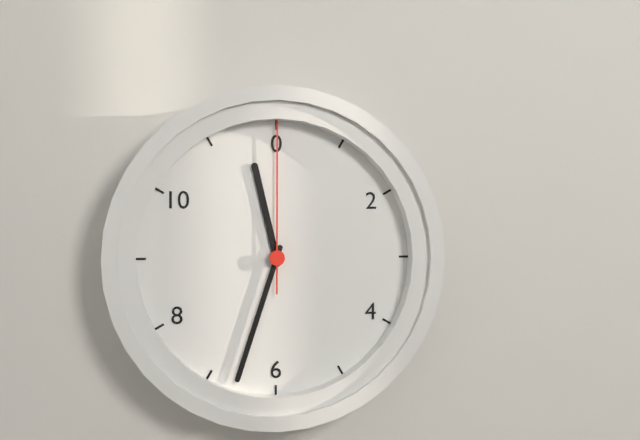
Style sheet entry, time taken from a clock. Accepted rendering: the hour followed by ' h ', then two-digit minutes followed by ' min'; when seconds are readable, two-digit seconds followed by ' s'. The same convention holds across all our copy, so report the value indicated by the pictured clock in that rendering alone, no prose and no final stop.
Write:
11 h 33 min 00 s
